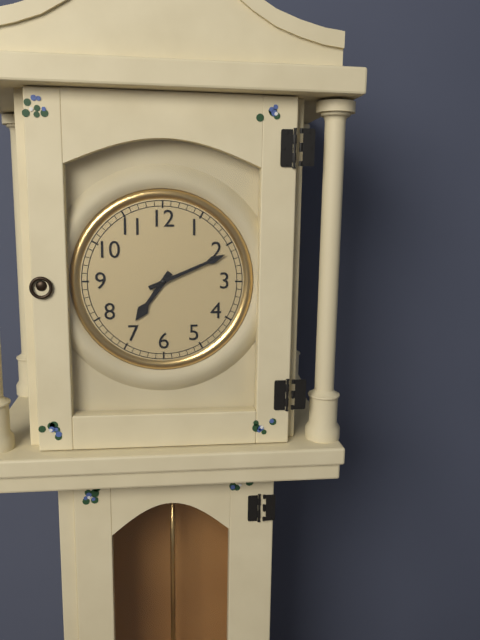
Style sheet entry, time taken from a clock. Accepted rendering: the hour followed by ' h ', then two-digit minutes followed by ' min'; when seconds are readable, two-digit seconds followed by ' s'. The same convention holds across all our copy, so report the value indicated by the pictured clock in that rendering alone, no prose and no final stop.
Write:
7 h 11 min
